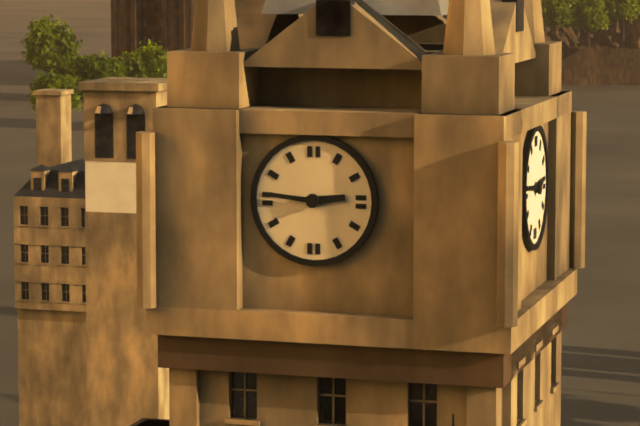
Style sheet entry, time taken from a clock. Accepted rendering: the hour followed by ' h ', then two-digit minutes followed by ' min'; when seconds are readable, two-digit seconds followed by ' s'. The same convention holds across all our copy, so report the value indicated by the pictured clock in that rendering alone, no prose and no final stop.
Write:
2 h 46 min
